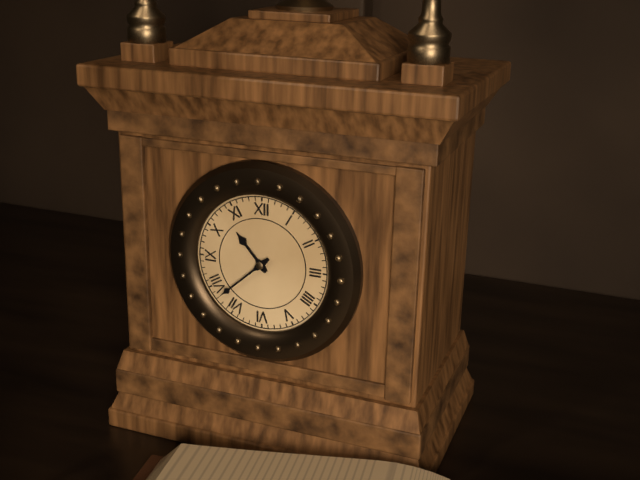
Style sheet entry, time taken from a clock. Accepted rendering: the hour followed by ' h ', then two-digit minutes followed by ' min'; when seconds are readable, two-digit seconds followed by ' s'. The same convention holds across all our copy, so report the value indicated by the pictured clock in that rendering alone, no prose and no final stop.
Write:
10 h 38 min
